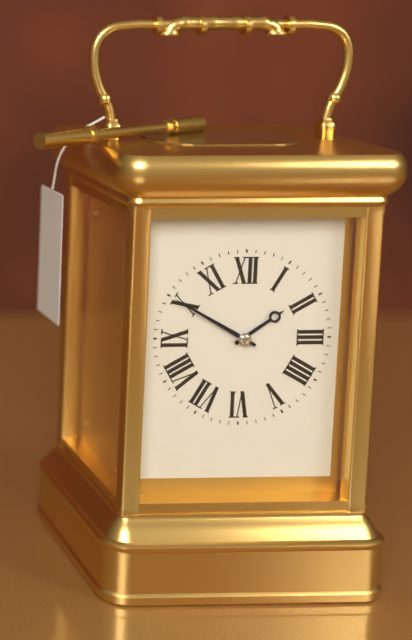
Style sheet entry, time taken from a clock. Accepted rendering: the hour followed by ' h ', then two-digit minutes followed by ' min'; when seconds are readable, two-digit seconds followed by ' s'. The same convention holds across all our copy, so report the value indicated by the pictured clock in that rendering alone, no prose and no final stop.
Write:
1 h 50 min
